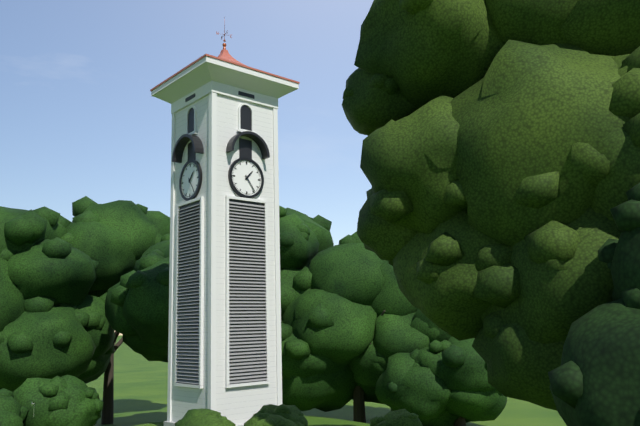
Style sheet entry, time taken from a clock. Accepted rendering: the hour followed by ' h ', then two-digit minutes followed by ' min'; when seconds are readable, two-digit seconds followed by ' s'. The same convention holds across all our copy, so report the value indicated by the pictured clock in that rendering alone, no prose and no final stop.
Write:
1 h 24 min
